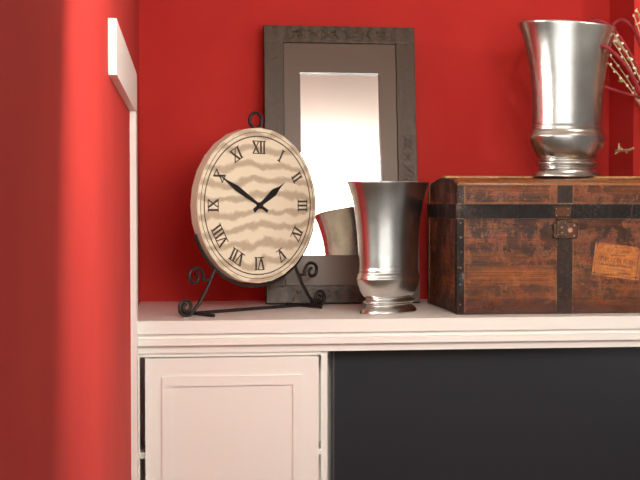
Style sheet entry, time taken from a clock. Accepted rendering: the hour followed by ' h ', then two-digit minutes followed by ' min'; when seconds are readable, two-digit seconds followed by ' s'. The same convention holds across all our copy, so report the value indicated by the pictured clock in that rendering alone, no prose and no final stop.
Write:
1 h 50 min
